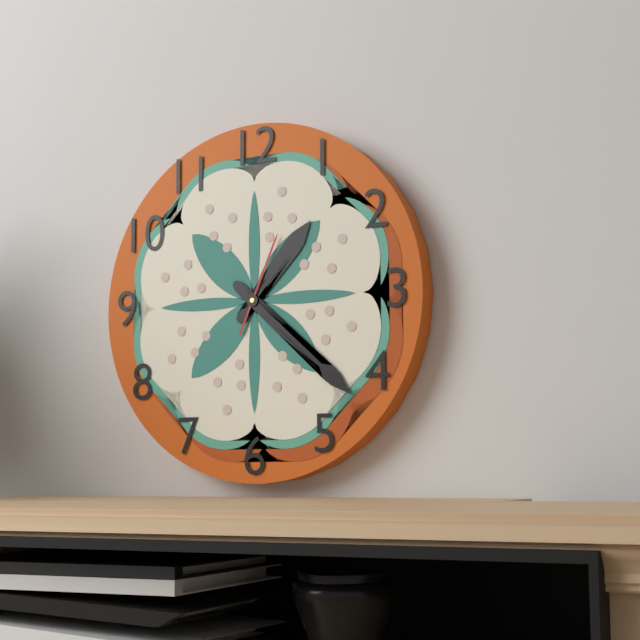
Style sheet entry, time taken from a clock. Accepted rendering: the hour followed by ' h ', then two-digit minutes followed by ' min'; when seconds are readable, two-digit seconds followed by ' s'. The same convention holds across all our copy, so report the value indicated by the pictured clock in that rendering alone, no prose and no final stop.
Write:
1 h 22 min 04 s
